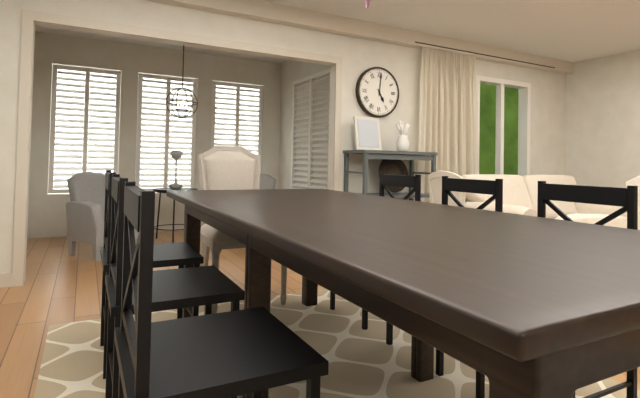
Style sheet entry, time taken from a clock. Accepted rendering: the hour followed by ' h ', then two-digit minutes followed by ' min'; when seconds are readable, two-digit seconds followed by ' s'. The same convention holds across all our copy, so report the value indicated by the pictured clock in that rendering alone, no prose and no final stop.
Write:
5 h 01 min
